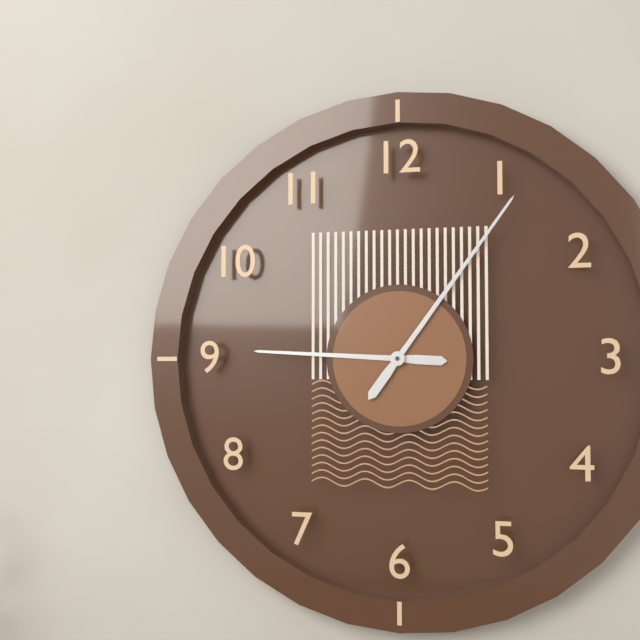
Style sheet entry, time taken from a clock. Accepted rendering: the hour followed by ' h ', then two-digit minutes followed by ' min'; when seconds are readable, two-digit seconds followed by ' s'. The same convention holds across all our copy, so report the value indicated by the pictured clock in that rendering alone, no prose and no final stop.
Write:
9 h 06 min
